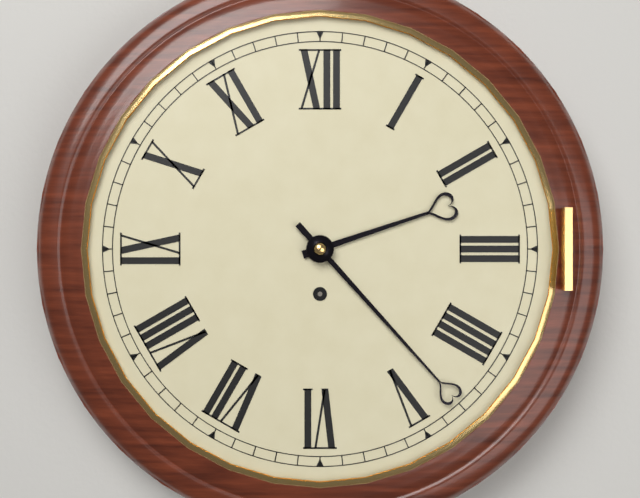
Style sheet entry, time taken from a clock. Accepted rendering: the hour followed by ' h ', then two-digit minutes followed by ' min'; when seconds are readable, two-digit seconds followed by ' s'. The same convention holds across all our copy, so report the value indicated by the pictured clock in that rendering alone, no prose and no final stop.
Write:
2 h 23 min
